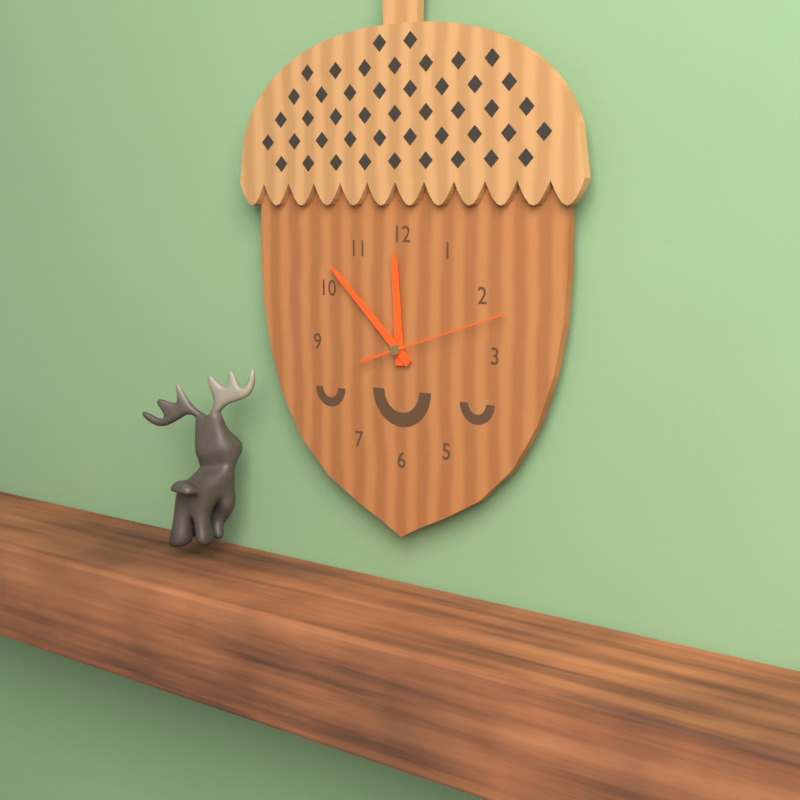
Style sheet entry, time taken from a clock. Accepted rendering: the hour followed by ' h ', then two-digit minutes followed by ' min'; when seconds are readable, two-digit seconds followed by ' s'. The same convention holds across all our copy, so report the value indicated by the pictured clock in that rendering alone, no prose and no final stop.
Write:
11 h 52 min 12 s
